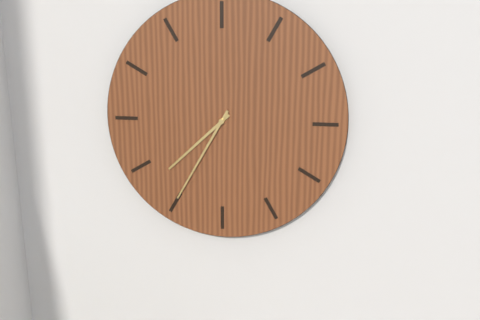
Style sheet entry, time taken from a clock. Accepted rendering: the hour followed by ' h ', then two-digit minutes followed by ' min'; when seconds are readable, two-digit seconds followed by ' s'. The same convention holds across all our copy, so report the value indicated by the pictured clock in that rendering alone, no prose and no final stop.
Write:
7 h 35 min
